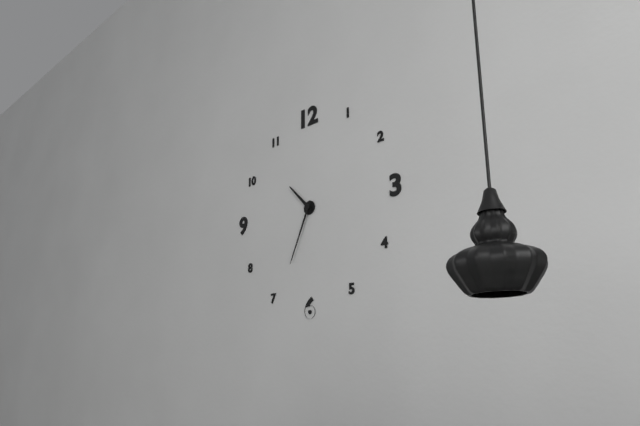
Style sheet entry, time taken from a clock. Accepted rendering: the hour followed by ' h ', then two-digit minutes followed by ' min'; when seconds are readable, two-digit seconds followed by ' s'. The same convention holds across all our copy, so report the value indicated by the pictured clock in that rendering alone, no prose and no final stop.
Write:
10 h 34 min
